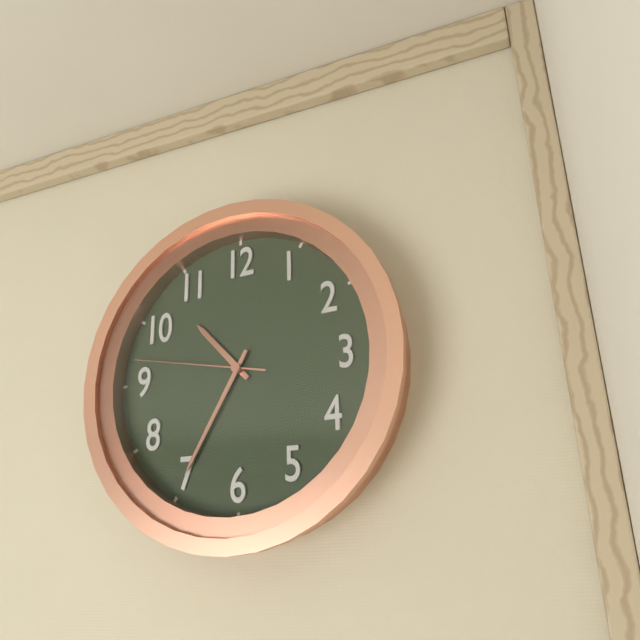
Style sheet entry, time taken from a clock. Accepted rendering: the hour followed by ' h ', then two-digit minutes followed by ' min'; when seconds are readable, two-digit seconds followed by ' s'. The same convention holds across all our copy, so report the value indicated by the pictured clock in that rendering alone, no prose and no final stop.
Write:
10 h 35 min 47 s
